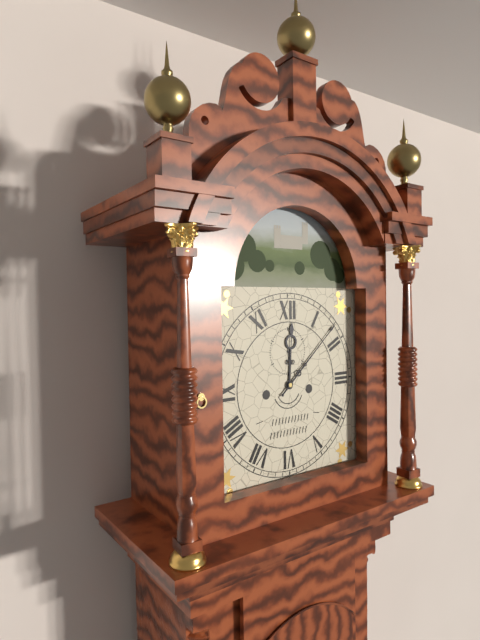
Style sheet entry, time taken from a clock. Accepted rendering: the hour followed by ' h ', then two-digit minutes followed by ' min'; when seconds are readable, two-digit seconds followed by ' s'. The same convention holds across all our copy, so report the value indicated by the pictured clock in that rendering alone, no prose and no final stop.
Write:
12 h 08 min
